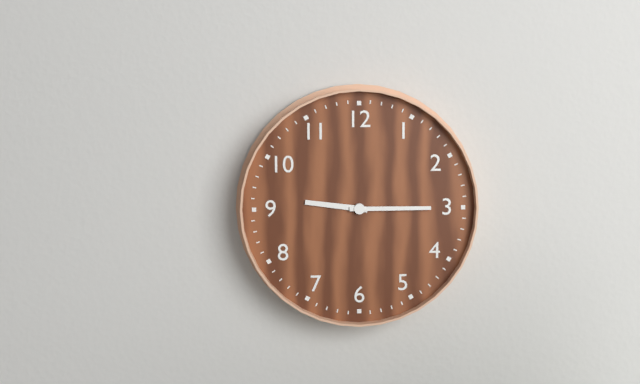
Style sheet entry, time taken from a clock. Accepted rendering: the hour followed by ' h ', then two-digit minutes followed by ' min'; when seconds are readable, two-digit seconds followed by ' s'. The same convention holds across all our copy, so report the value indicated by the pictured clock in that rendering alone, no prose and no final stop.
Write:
9 h 15 min
